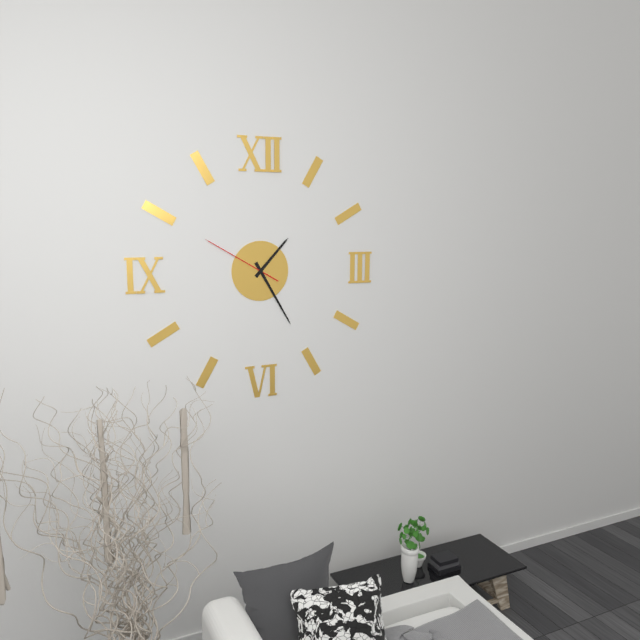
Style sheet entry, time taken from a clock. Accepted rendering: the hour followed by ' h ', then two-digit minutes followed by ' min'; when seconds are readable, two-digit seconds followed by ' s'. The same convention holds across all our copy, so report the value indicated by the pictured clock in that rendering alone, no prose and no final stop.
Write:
1 h 25 min 50 s
